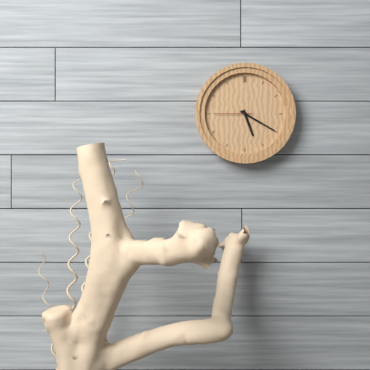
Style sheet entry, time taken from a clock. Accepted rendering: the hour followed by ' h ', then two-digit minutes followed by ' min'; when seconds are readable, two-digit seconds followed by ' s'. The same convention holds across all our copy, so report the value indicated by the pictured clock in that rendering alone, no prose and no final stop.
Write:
5 h 20 min
